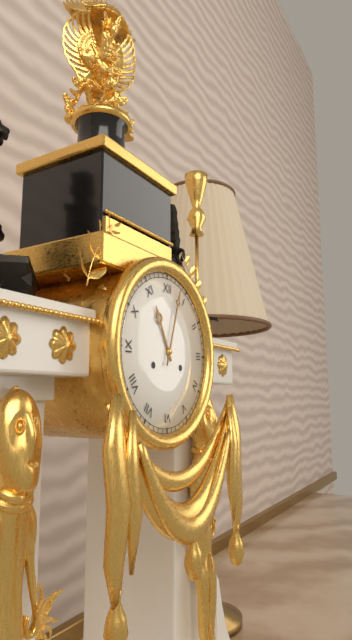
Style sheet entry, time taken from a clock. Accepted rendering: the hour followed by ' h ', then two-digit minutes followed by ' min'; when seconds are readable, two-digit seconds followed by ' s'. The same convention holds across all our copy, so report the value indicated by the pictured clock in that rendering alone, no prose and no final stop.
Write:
11 h 03 min
